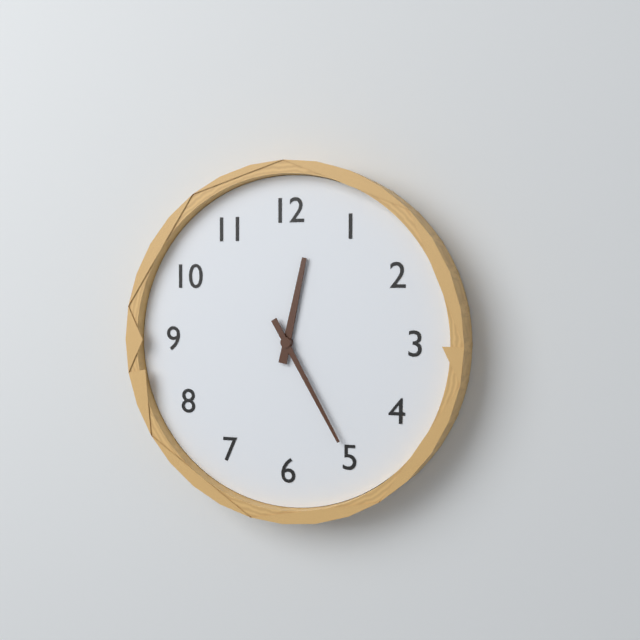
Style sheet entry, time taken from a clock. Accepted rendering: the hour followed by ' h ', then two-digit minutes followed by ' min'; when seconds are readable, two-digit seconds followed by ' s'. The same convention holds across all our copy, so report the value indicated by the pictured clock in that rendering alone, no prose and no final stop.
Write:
12 h 25 min
